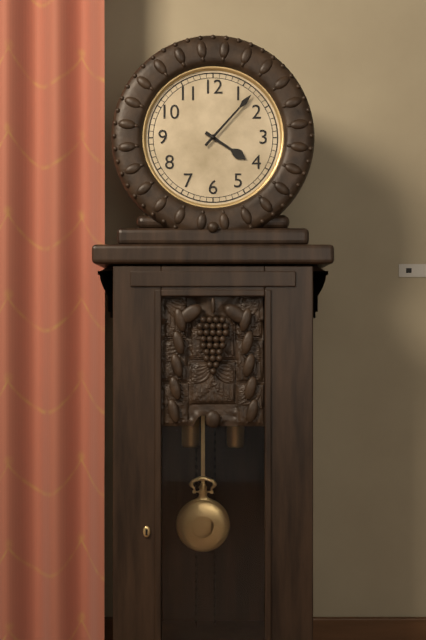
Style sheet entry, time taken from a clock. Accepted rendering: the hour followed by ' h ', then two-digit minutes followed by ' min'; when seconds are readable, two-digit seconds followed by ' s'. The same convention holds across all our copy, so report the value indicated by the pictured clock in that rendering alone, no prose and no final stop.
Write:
4 h 07 min
